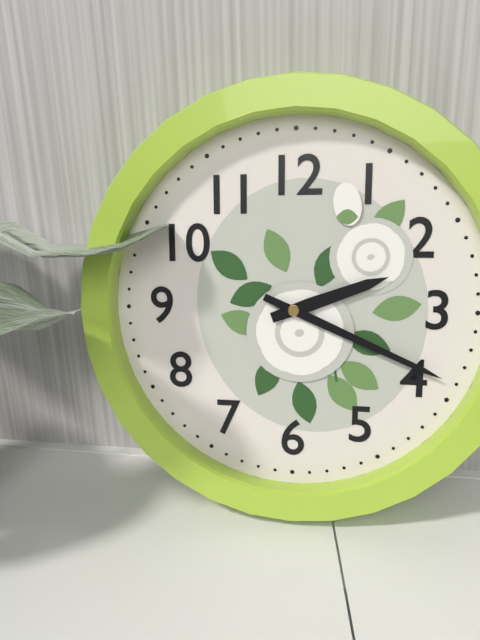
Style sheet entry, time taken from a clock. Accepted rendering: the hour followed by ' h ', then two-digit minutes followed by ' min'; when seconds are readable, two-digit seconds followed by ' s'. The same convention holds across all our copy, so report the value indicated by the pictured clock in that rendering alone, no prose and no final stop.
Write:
2 h 19 min
